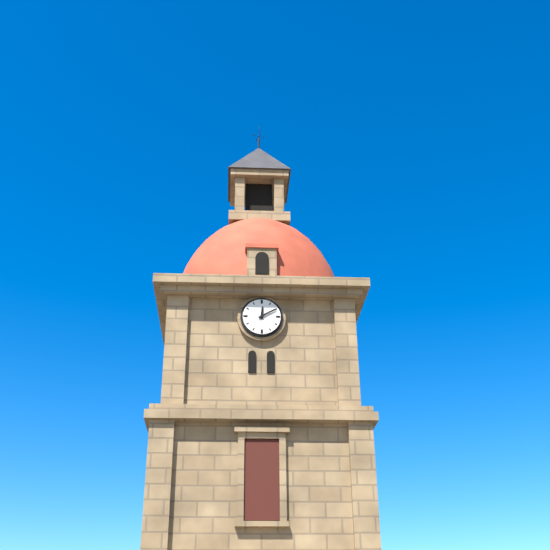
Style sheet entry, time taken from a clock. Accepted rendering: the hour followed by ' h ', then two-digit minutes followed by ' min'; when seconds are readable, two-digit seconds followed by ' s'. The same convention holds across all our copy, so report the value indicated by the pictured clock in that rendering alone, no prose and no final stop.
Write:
12 h 10 min
